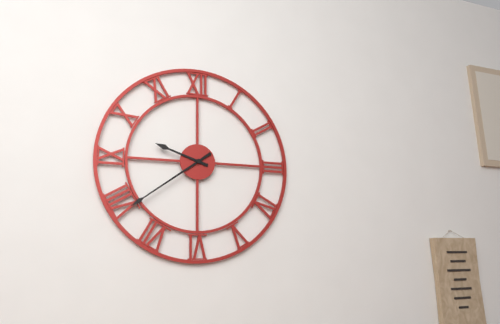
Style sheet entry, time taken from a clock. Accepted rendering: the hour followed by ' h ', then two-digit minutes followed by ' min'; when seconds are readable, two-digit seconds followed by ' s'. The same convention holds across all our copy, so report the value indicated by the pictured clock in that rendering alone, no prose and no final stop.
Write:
9 h 39 min
